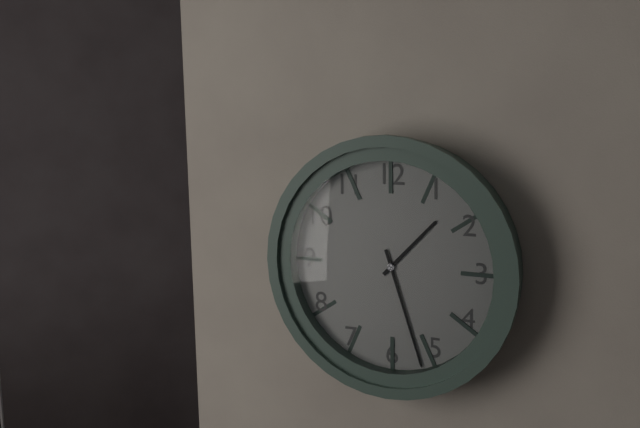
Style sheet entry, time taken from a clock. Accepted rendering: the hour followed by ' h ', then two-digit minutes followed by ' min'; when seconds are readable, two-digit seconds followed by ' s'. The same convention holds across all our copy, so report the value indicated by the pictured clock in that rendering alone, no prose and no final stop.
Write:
1 h 27 min
